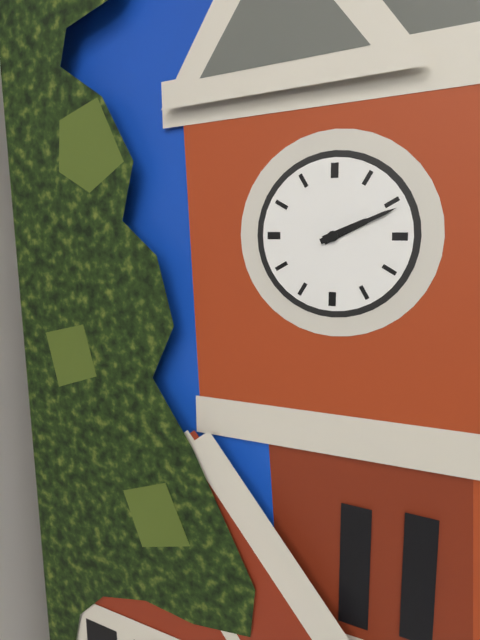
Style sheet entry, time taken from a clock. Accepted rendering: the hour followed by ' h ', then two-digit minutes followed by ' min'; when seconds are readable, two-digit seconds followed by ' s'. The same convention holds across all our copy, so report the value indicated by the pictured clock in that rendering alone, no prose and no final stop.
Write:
2 h 11 min
